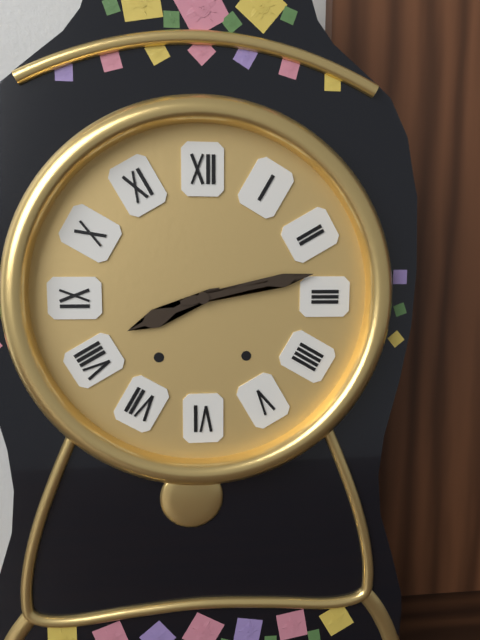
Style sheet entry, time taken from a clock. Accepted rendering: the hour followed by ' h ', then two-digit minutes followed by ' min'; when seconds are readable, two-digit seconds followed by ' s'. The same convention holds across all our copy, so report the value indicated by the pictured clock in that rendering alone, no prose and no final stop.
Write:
8 h 13 min
